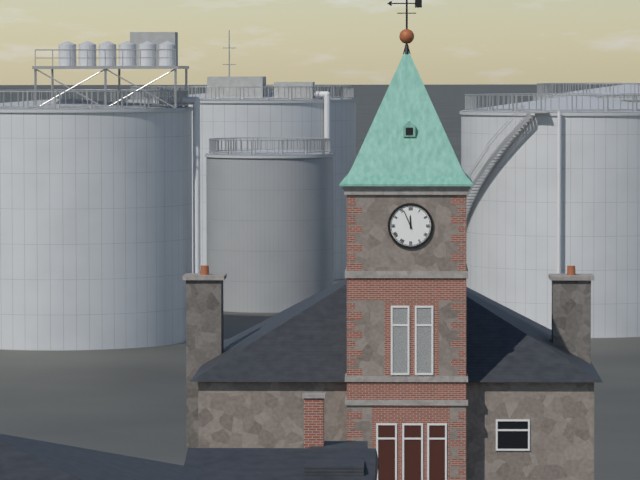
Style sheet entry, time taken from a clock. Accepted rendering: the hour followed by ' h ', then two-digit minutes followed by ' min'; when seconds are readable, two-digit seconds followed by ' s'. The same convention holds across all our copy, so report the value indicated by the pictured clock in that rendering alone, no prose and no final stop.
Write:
11 h 56 min
